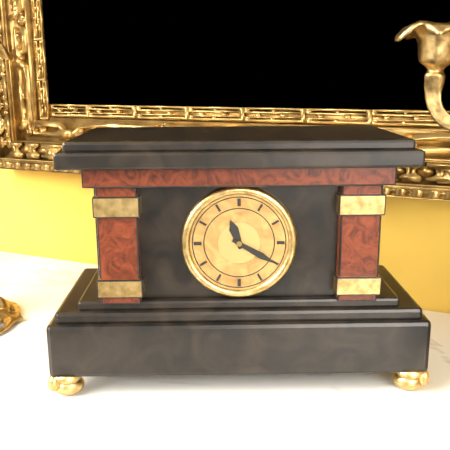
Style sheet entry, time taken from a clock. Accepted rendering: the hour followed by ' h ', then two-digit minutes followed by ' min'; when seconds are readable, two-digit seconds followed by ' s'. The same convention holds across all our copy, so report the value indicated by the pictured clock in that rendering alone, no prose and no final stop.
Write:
11 h 20 min
